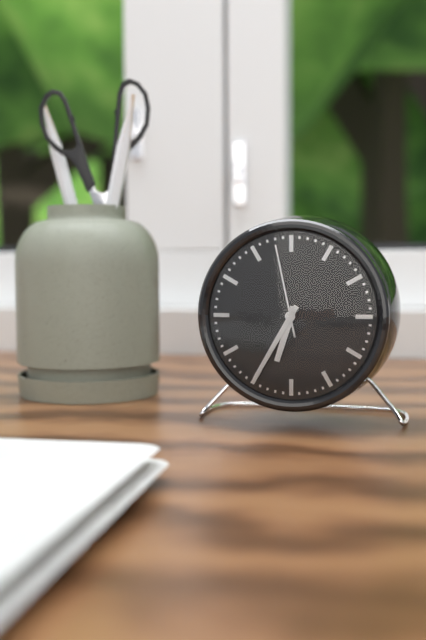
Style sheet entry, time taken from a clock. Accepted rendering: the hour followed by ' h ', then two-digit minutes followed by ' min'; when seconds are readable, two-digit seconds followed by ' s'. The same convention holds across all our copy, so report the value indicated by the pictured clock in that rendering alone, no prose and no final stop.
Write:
6 h 35 min 58 s
